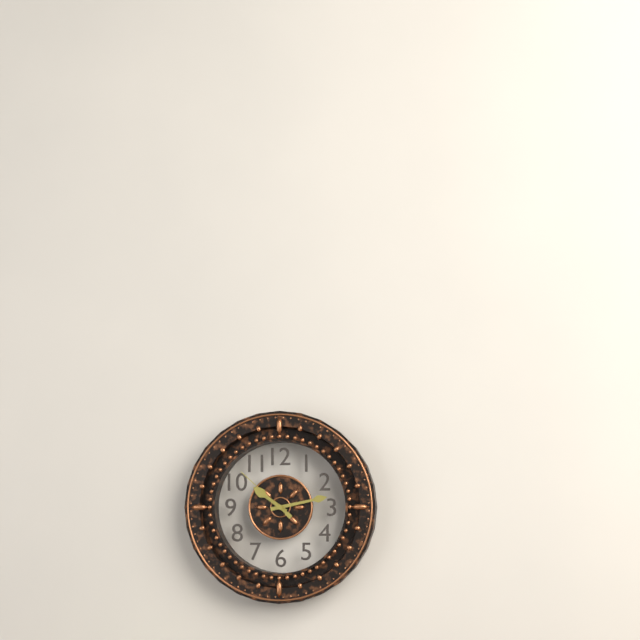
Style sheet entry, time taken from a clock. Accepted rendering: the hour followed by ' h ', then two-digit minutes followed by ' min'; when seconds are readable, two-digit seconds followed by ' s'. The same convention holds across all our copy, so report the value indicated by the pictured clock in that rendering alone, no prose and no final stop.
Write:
10 h 13 min 52 s
